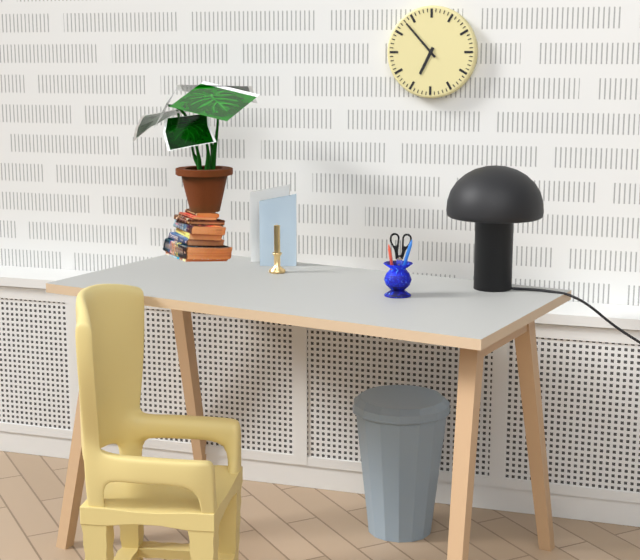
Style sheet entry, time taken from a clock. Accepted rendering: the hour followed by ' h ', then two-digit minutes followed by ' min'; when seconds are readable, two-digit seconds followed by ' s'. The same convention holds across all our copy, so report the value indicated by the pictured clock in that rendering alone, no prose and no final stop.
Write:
6 h 53 min
